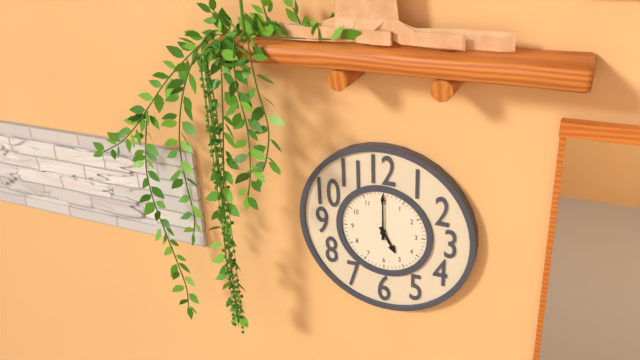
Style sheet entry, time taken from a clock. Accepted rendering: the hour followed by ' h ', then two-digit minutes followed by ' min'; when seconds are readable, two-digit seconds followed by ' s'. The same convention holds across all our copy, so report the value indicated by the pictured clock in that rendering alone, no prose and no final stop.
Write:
5 h 00 min
